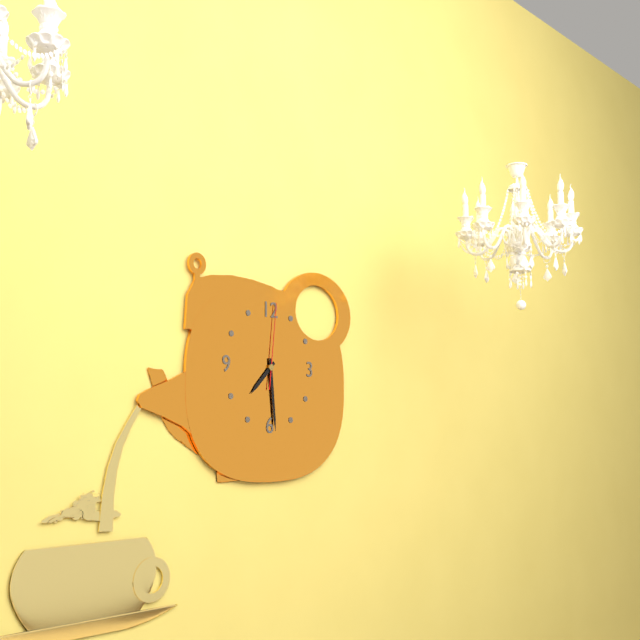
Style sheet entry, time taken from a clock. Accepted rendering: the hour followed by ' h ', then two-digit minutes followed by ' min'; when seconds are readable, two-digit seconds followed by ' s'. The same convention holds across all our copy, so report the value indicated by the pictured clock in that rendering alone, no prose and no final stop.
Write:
7 h 29 min 01 s
